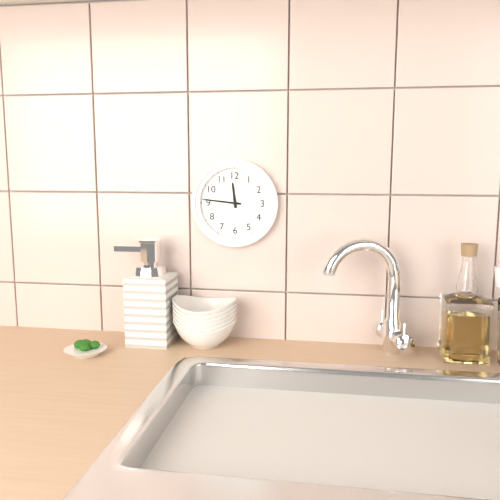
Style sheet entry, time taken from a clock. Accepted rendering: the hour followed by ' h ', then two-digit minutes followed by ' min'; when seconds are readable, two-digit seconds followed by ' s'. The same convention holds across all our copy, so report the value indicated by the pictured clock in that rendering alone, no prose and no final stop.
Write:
11 h 46 min
